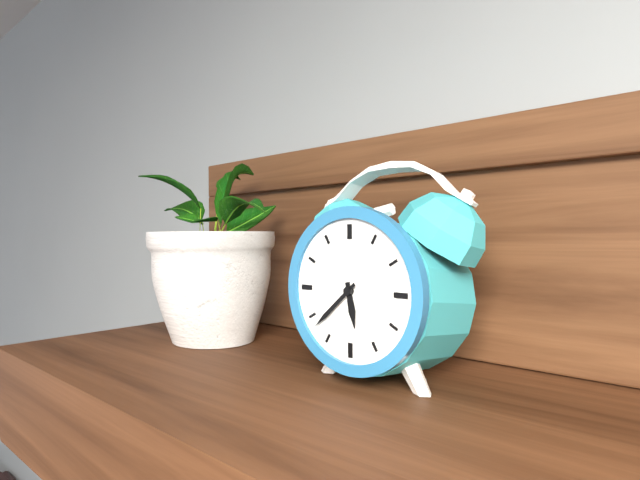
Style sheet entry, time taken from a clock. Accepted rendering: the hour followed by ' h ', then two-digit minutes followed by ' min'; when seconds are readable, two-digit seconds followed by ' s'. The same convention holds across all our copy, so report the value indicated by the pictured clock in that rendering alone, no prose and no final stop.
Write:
5 h 38 min
